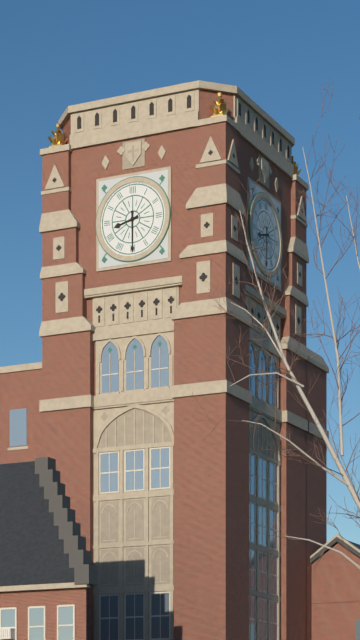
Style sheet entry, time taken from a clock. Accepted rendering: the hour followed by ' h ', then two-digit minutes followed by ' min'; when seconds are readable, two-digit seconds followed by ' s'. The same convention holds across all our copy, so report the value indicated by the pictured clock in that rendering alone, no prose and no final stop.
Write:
8 h 30 min
